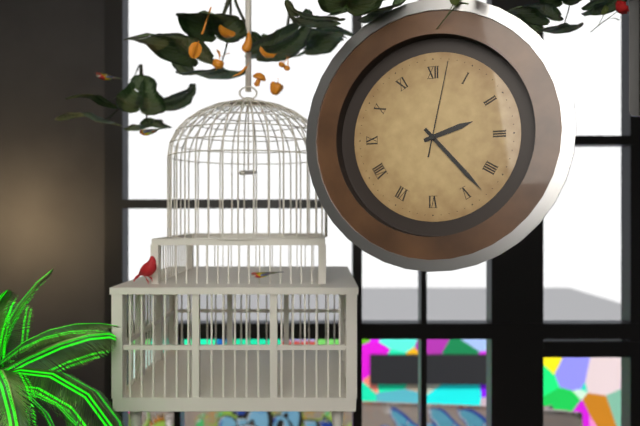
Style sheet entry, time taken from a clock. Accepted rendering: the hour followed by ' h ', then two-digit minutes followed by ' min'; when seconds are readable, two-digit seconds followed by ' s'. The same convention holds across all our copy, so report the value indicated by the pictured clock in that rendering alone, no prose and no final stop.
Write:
2 h 23 min 02 s
